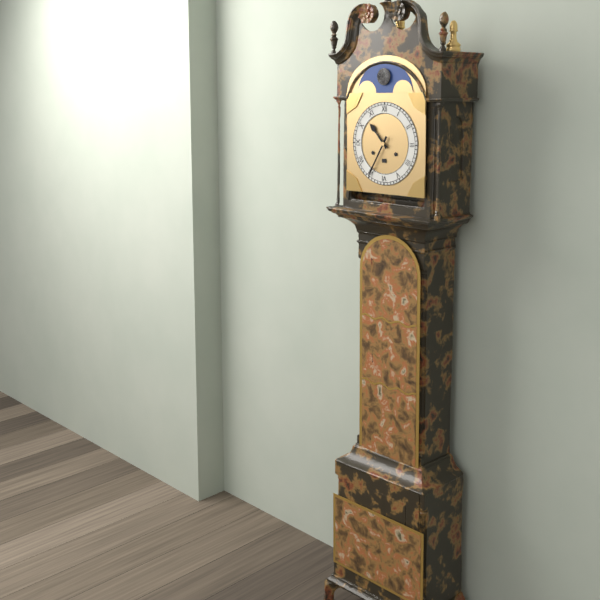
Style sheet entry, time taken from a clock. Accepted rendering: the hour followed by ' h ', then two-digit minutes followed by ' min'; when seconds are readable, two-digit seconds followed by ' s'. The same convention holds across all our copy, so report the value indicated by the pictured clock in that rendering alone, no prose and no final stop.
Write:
10 h 35 min
